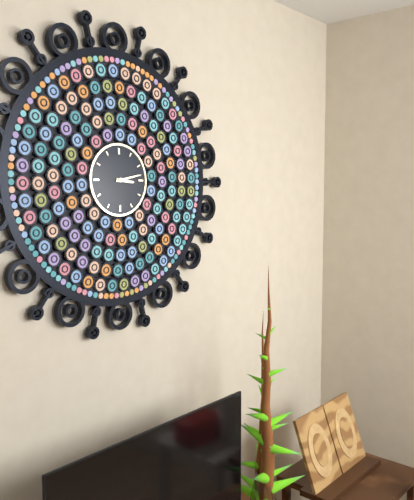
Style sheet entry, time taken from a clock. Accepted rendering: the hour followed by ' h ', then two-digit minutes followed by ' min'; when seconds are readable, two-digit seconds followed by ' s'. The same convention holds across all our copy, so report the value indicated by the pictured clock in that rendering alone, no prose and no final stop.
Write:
3 h 13 min
